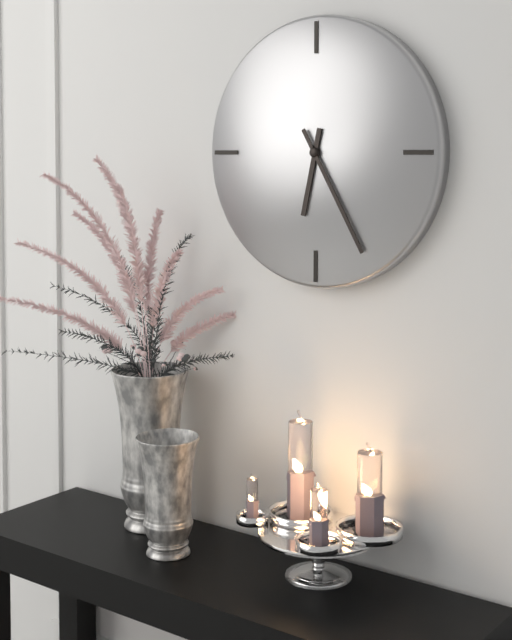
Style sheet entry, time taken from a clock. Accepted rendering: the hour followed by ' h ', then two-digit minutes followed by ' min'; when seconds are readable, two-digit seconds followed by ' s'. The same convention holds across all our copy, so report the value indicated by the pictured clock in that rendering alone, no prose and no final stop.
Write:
6 h 25 min
